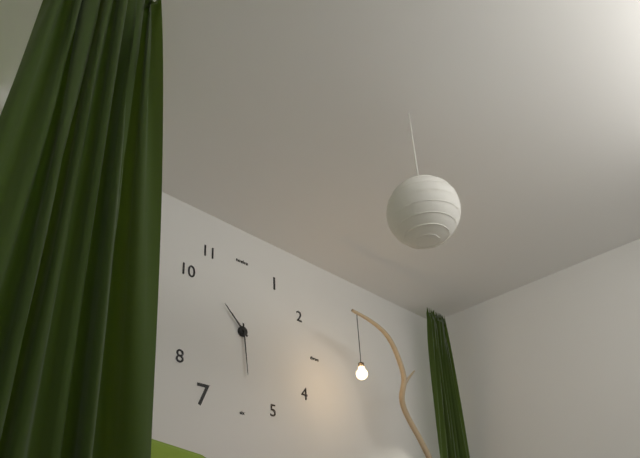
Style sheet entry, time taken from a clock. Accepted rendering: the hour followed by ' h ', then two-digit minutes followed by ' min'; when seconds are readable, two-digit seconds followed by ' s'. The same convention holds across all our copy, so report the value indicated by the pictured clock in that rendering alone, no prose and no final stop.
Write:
10 h 29 min
